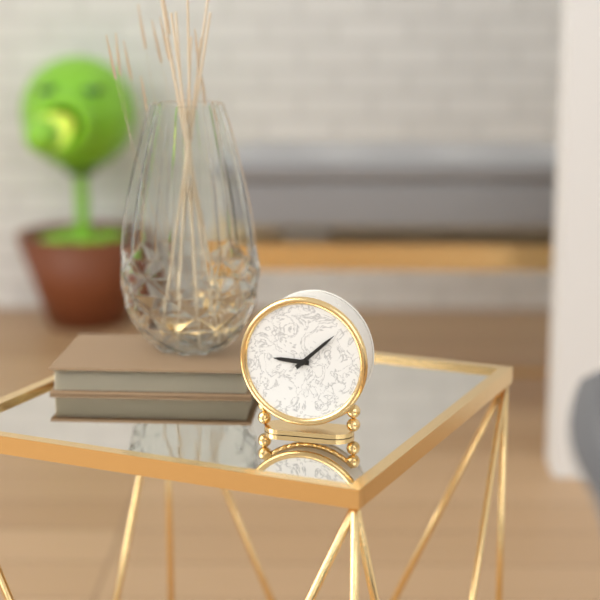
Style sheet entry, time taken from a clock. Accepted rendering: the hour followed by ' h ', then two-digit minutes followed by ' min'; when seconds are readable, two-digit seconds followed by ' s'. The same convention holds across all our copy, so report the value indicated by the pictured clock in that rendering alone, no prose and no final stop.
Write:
9 h 08 min
